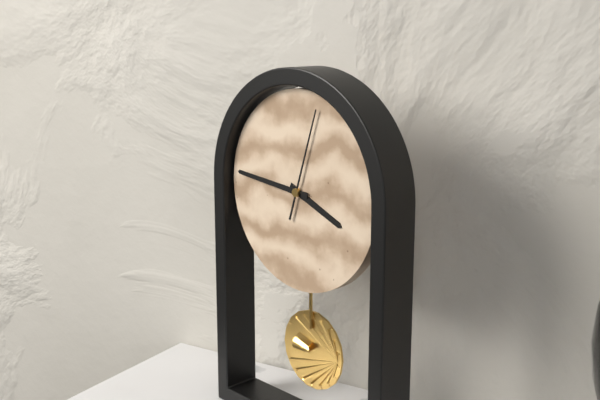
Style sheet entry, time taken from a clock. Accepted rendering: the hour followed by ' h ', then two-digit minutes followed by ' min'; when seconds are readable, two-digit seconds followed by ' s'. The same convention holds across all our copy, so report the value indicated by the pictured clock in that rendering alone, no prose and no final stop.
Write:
3 h 46 min 03 s
